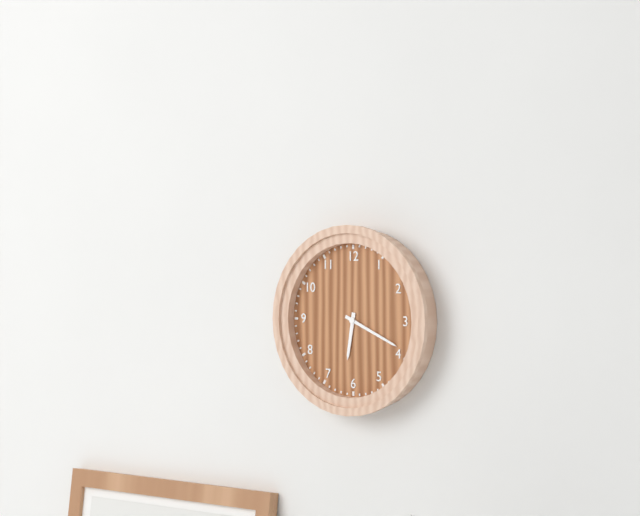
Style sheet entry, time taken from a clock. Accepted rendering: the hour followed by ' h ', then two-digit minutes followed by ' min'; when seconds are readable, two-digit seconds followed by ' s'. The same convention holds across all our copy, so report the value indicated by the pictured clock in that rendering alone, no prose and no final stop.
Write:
6 h 19 min
